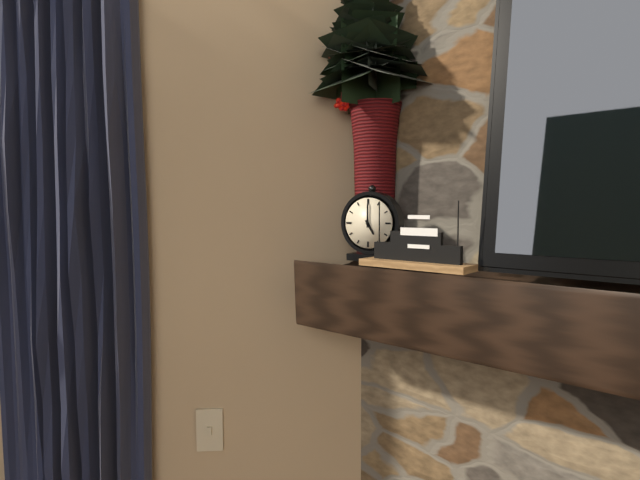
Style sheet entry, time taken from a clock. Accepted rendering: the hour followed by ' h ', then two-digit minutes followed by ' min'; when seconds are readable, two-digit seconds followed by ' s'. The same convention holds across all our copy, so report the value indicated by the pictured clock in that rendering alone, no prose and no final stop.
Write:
5 h 00 min
